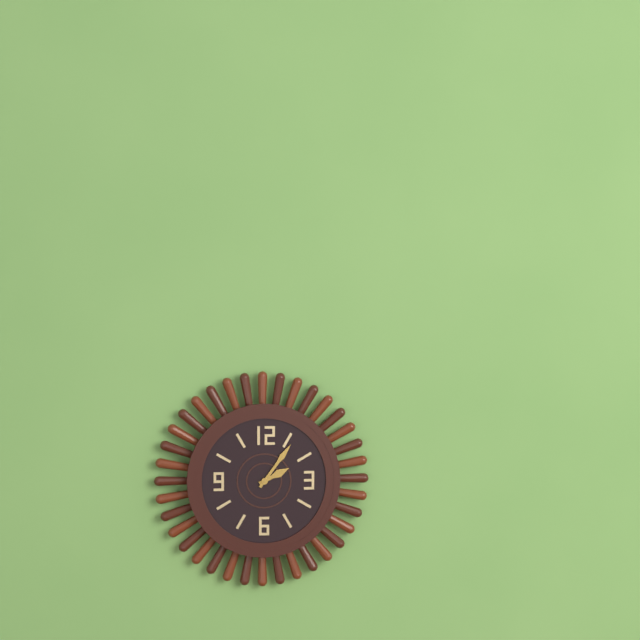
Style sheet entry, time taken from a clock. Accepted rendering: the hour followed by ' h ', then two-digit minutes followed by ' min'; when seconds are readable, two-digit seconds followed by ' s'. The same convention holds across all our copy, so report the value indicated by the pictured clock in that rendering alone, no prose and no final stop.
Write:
2 h 06 min
